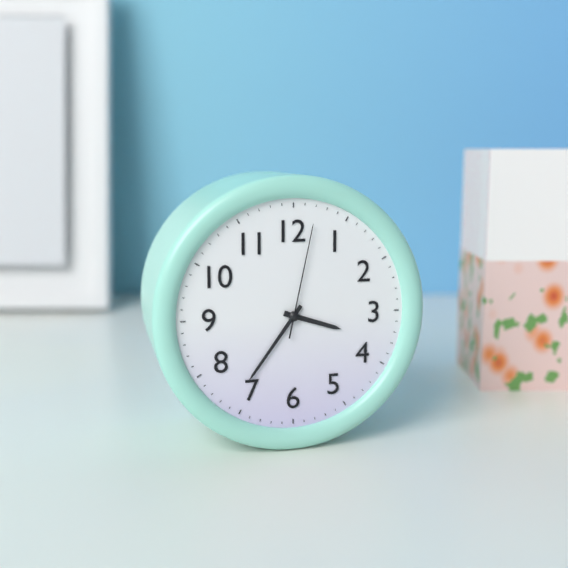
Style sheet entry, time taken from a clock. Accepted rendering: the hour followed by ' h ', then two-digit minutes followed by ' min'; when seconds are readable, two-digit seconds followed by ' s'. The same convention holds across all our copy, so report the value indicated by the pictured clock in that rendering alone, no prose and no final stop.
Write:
3 h 36 min 02 s
